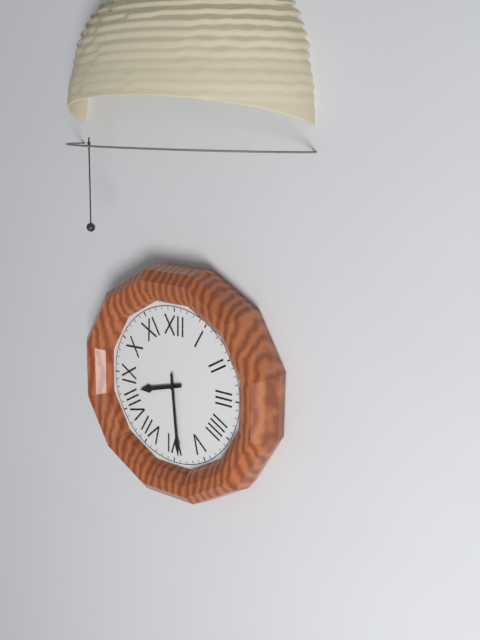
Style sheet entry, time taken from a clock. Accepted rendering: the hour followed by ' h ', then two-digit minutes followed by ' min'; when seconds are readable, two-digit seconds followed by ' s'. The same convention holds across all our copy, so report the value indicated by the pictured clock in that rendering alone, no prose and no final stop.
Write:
8 h 29 min
